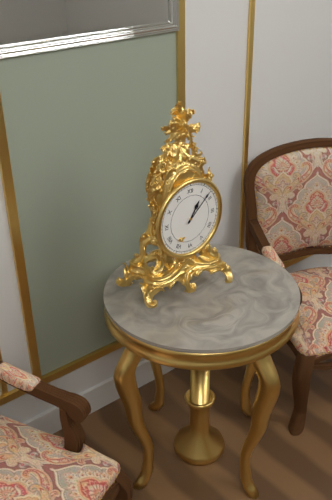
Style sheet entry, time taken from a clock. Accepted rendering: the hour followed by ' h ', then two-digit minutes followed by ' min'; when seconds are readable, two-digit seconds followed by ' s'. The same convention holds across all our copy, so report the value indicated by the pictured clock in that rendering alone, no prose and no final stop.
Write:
1 h 08 min
